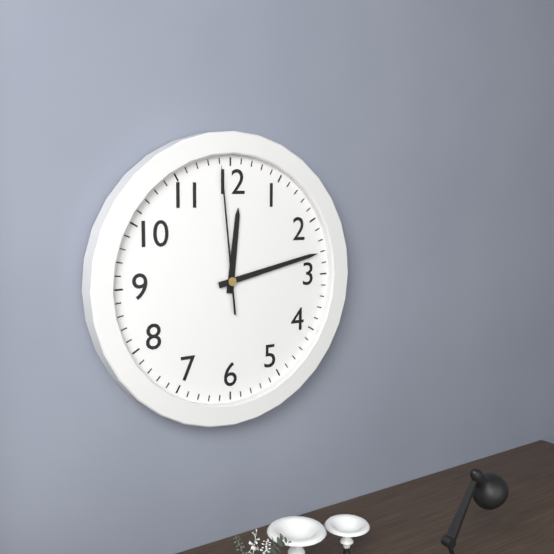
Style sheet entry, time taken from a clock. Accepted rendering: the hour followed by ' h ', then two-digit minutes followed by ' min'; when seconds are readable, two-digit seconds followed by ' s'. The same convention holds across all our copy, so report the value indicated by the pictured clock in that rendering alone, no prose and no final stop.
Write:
12 h 13 min 59 s
